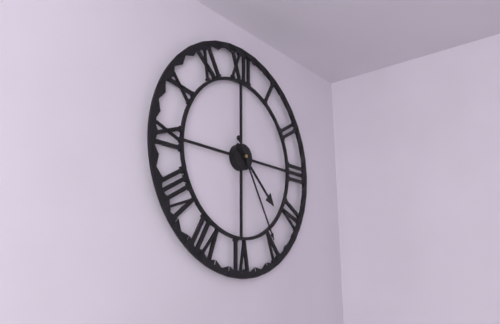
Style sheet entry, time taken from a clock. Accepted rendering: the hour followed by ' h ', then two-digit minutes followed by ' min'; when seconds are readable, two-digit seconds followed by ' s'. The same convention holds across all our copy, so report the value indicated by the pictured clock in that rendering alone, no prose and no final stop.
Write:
4 h 25 min
